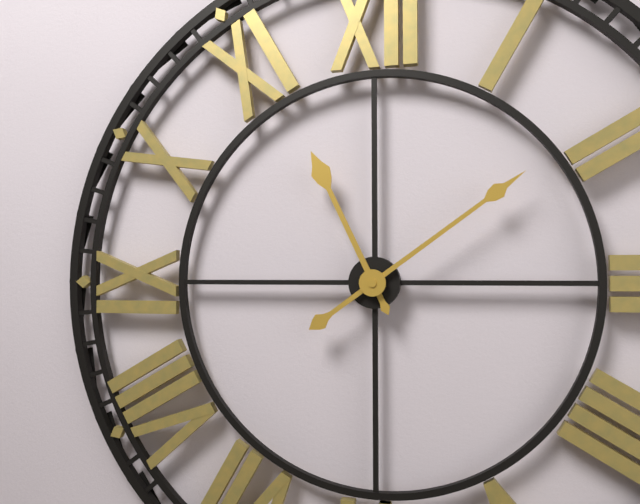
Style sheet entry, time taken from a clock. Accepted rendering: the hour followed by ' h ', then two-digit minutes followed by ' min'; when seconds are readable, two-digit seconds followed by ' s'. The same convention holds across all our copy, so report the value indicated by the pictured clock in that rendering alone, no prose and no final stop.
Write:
11 h 09 min
